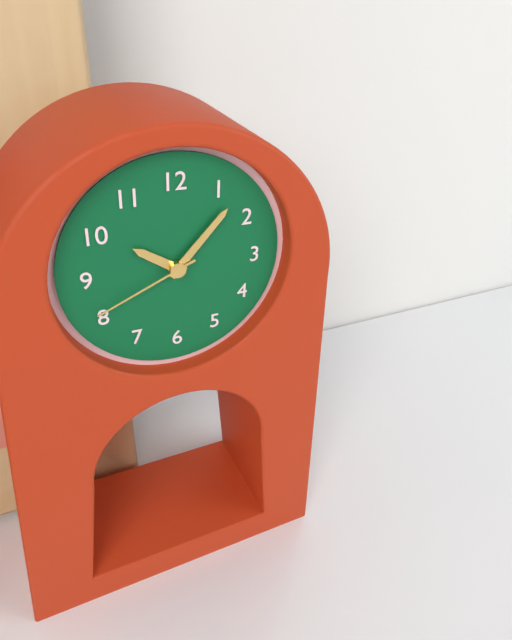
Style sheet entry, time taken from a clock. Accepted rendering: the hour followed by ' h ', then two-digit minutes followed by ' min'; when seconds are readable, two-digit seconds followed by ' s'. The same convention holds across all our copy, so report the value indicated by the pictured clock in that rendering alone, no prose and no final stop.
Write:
10 h 07 min 41 s
